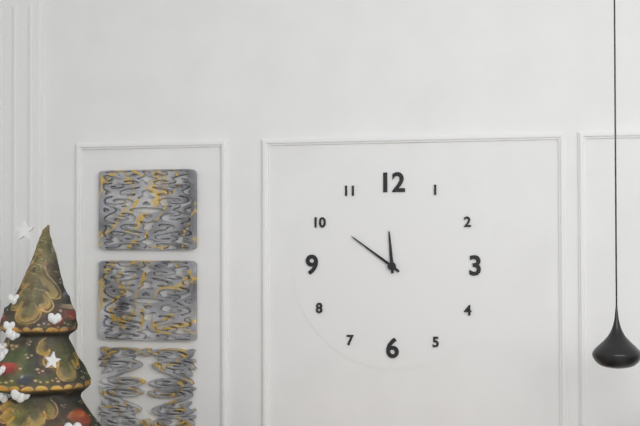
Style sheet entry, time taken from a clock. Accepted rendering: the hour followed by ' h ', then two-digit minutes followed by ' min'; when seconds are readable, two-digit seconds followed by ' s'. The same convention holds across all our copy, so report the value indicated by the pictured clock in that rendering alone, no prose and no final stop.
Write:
11 h 51 min
